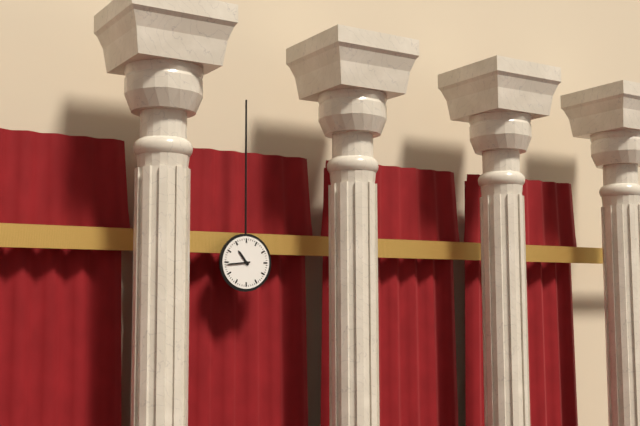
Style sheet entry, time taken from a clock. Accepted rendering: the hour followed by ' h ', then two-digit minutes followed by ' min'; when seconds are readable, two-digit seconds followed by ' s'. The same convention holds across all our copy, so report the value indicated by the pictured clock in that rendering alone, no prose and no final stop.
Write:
10 h 44 min
